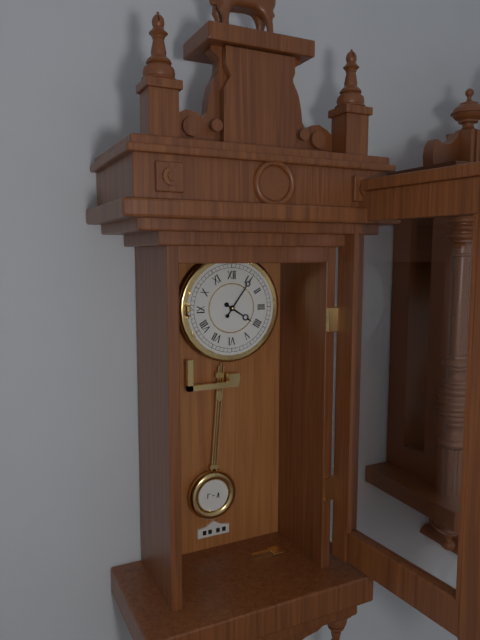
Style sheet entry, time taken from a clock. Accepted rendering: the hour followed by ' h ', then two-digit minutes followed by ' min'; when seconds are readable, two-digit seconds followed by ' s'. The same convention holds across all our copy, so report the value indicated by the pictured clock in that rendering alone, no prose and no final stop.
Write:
4 h 06 min
